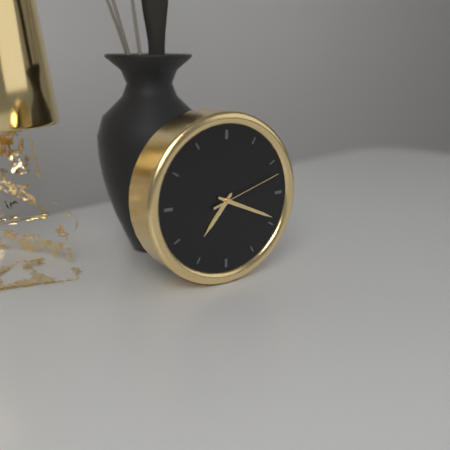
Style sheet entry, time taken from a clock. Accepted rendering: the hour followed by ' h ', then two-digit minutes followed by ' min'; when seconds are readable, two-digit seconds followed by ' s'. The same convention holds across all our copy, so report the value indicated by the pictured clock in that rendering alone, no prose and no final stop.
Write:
7 h 19 min 12 s
